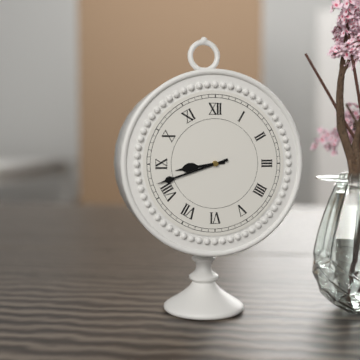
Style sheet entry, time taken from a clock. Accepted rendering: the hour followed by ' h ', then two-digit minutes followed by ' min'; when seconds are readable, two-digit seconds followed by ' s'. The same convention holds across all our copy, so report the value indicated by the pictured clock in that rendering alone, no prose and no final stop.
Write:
8 h 42 min
